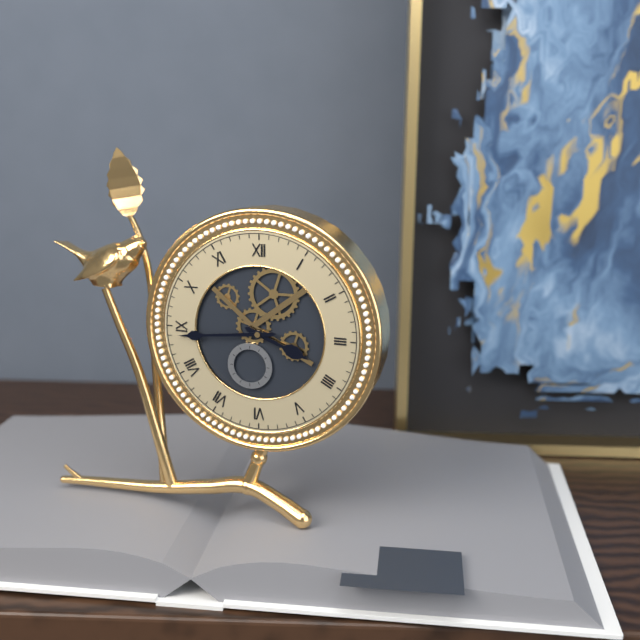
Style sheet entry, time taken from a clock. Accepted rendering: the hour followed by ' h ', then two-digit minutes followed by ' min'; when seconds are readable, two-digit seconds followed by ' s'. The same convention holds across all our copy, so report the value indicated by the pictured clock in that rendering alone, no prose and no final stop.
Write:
3 h 44 min
